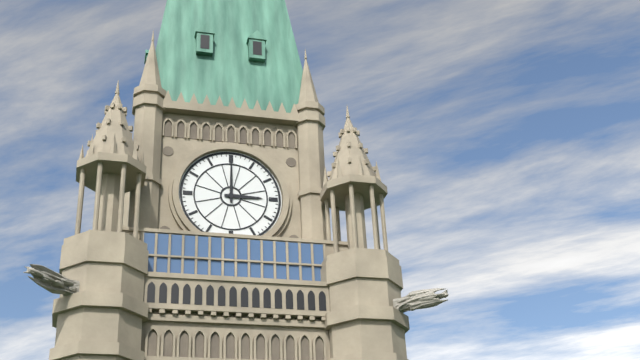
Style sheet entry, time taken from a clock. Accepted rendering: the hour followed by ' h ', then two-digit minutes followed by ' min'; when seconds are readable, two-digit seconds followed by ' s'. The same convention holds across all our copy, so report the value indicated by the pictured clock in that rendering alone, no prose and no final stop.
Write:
3 h 00 min
